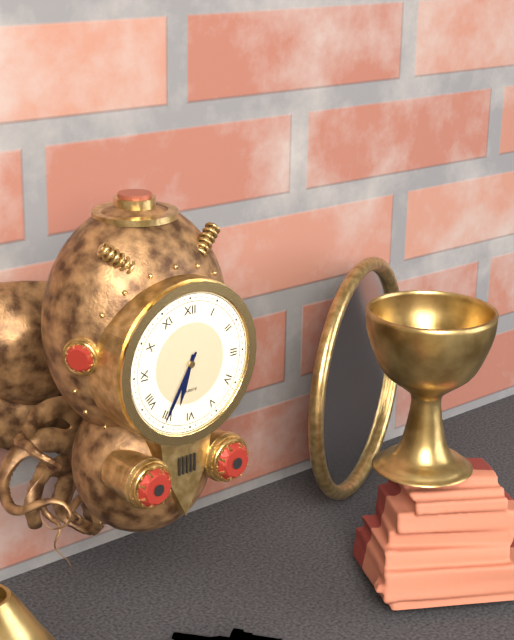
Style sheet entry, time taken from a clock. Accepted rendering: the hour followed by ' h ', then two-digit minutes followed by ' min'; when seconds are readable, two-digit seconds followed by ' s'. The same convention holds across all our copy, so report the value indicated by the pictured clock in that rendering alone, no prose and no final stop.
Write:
6 h 35 min
